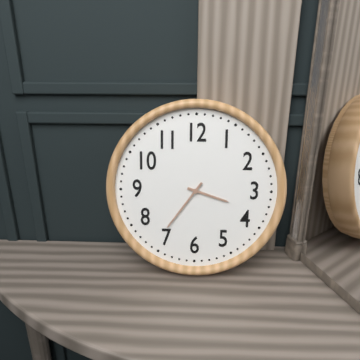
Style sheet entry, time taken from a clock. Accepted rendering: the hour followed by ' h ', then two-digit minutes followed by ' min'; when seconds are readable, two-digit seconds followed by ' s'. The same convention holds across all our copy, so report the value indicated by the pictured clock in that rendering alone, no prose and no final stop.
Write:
3 h 36 min
